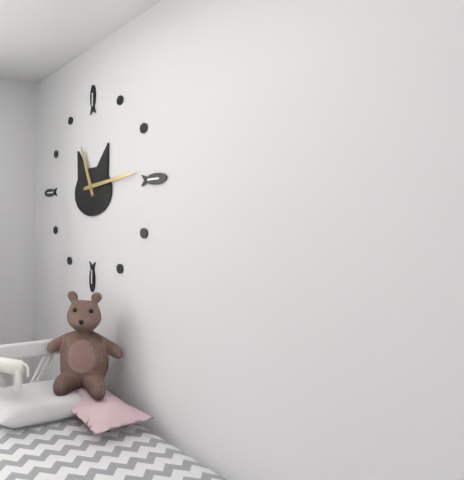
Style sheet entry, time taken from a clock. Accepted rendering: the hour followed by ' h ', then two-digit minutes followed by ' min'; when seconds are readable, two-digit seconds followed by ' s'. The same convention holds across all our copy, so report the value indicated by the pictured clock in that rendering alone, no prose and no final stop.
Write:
11 h 14 min
